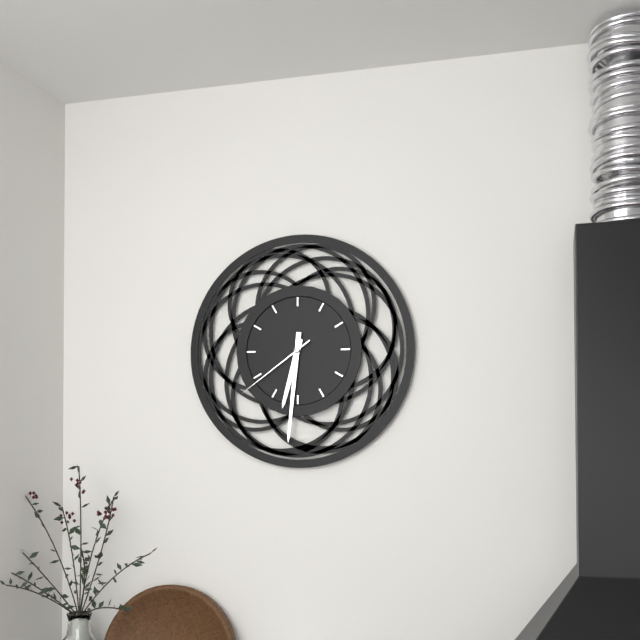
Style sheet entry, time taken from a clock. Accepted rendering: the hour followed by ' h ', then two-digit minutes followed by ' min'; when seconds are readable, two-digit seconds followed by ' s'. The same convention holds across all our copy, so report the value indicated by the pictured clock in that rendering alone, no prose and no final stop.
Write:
6 h 31 min 39 s
